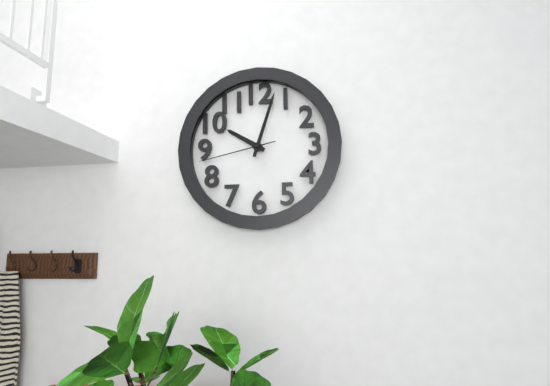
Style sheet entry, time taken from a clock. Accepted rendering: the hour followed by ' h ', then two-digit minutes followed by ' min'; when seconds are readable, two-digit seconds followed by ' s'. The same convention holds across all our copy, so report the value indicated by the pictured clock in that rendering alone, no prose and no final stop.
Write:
10 h 03 min 43 s
